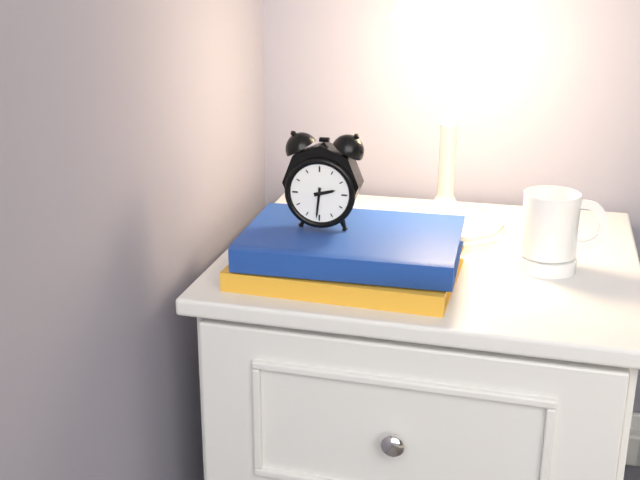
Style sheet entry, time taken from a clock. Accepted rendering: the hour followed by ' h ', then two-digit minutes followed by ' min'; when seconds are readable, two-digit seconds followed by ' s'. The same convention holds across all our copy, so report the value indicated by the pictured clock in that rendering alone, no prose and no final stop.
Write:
2 h 31 min
